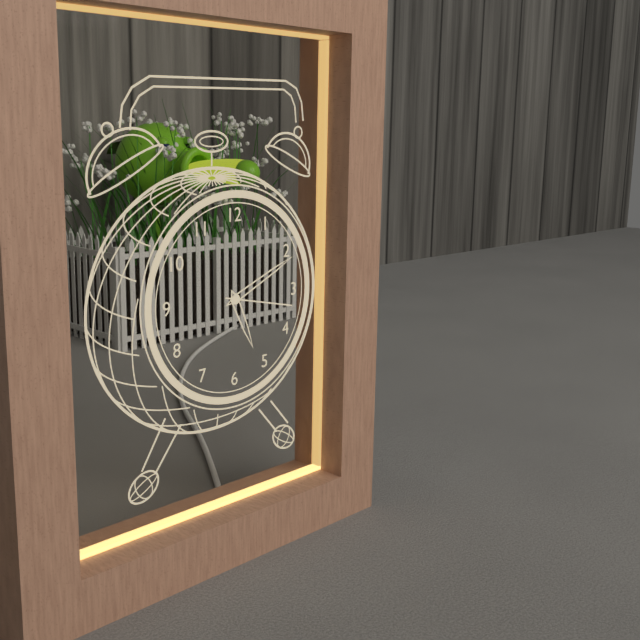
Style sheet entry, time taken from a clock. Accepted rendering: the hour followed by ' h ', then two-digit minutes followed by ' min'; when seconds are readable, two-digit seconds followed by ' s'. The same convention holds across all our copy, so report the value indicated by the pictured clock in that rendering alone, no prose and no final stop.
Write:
5 h 11 min 17 s
